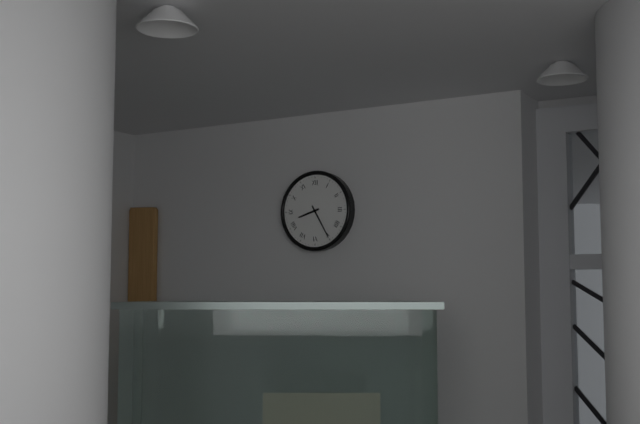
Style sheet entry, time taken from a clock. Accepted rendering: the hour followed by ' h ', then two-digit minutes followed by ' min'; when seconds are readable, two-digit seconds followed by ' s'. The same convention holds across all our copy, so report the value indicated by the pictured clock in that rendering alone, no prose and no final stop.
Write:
8 h 25 min
